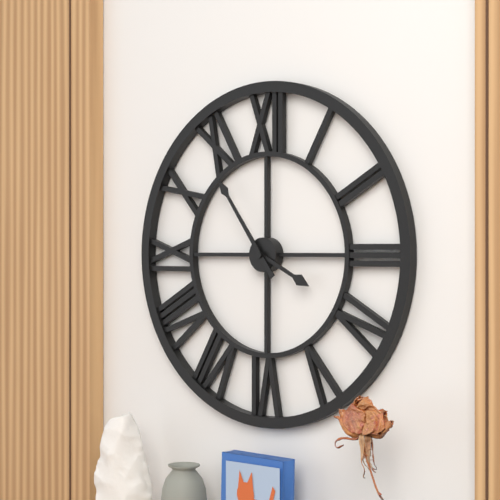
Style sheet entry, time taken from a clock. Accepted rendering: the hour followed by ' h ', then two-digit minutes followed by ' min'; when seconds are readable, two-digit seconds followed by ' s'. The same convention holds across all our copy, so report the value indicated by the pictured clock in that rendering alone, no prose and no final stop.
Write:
3 h 54 min
